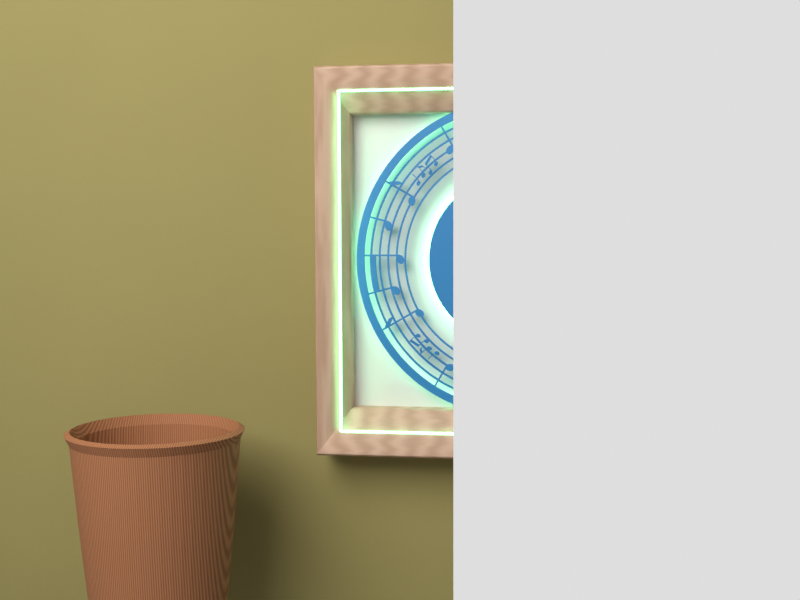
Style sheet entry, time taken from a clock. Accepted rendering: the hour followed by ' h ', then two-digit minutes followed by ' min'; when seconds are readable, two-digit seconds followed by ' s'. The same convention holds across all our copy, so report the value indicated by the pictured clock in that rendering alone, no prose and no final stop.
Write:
10 h 35 min
